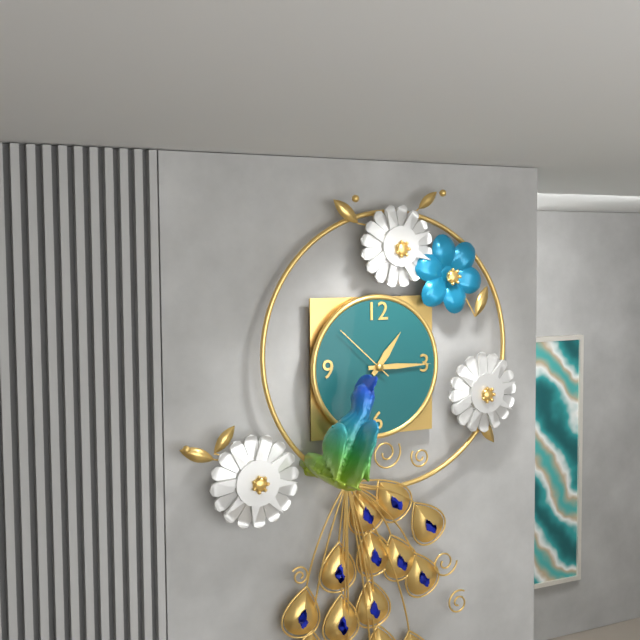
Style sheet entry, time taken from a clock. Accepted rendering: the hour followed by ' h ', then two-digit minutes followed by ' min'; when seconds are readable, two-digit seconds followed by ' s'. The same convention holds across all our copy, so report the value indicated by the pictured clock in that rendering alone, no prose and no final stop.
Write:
1 h 15 min 52 s
